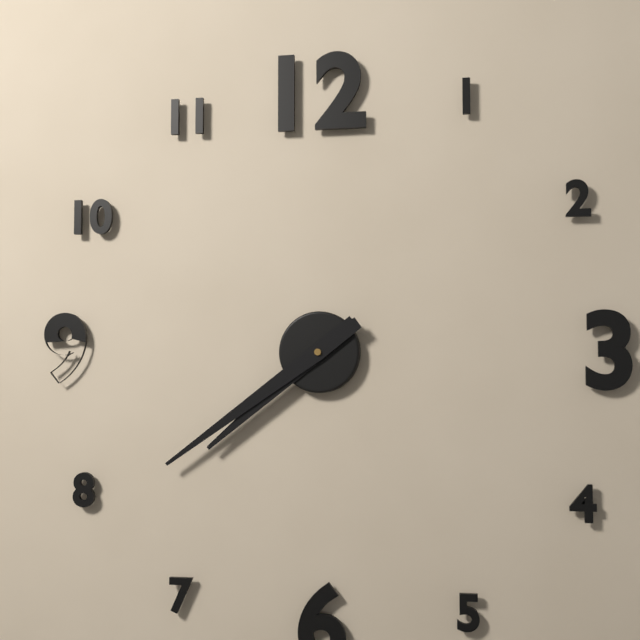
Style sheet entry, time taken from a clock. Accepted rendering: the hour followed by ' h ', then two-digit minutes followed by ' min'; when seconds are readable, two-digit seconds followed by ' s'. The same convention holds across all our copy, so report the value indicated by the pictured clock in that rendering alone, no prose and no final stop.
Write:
7 h 39 min
